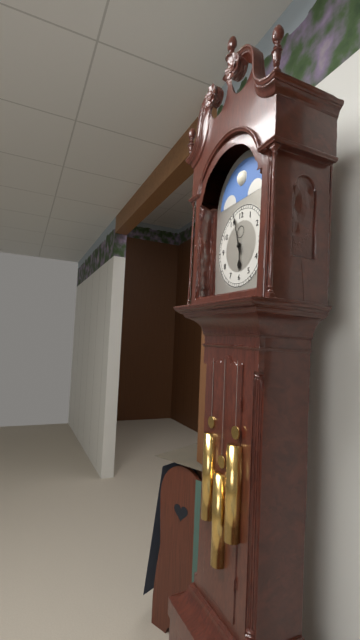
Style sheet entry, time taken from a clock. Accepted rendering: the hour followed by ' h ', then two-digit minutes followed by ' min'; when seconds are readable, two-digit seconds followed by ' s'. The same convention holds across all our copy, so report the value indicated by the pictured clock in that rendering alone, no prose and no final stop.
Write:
5 h 57 min
